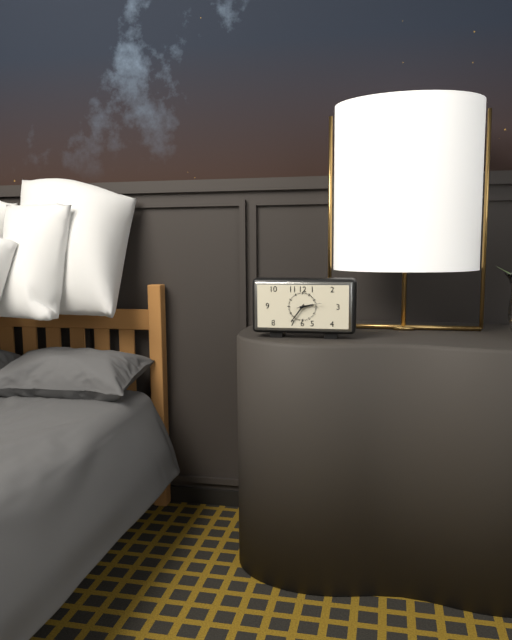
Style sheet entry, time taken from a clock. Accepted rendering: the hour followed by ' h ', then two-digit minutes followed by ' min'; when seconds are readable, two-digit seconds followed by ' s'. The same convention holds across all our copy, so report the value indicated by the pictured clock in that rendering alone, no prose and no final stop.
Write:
2 h 36 min
